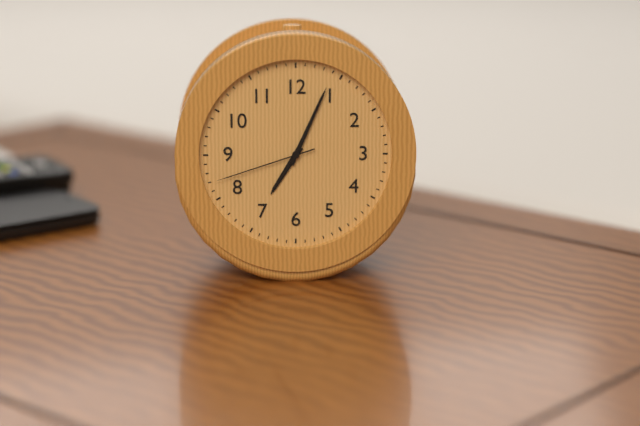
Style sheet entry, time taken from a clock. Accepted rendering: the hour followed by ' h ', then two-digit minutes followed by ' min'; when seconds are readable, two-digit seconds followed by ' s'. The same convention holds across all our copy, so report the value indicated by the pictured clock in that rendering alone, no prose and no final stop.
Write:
7 h 04 min 42 s
